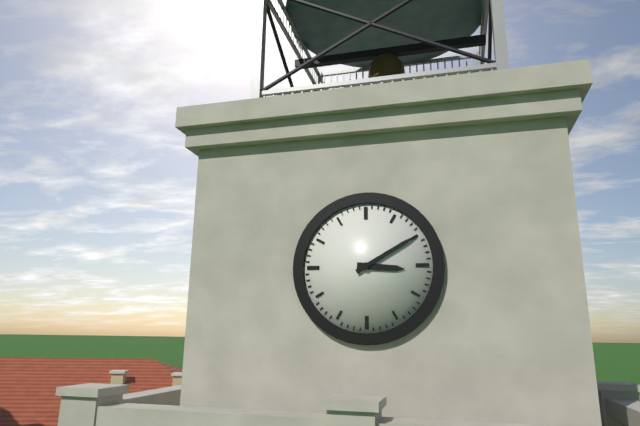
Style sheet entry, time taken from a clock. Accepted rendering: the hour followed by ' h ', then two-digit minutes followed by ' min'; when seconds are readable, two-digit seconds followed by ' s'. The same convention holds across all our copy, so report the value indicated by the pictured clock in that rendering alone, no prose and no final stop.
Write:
3 h 10 min
